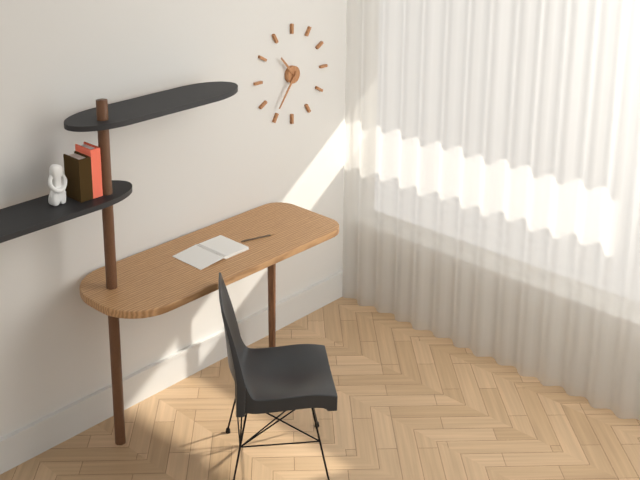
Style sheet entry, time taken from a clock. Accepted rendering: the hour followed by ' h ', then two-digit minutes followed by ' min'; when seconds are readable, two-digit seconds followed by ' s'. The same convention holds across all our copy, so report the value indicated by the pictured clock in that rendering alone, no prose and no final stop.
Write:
10 h 36 min
